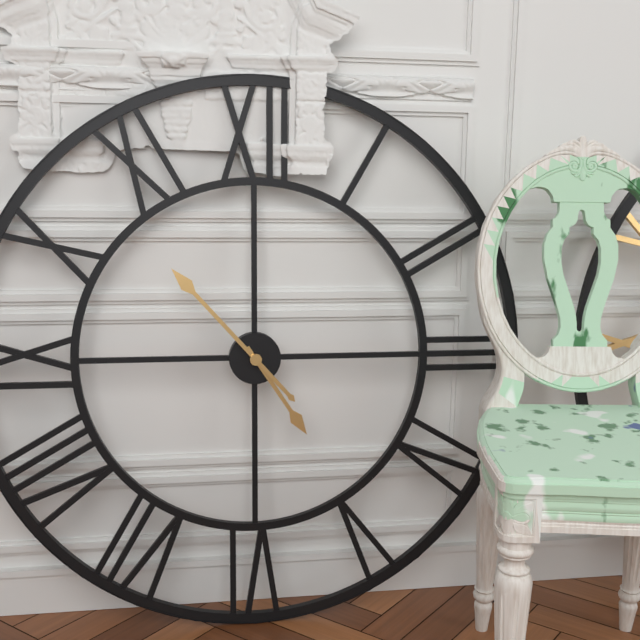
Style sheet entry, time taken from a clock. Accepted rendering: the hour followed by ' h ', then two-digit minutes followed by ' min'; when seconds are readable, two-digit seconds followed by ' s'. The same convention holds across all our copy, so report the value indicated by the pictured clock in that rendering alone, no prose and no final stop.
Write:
4 h 53 min
